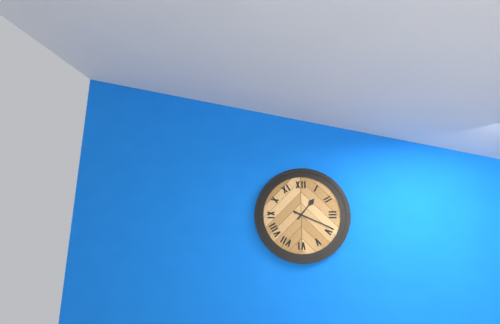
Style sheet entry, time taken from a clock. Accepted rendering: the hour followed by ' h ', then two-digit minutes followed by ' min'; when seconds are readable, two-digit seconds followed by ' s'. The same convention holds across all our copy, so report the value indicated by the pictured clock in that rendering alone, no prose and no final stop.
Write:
1 h 19 min
